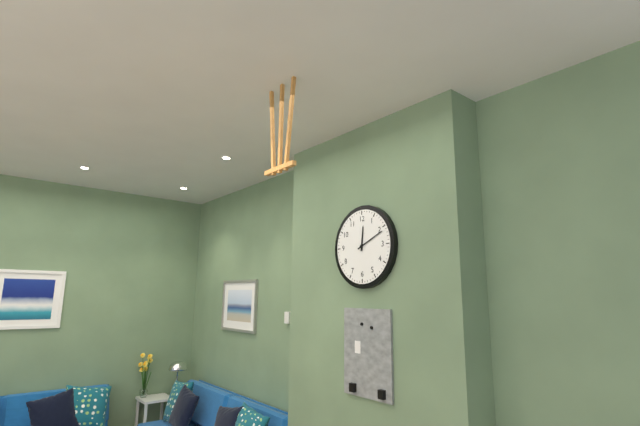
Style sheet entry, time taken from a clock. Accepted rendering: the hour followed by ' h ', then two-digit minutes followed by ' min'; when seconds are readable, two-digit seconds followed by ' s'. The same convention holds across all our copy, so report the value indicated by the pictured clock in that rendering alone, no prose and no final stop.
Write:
12 h 11 min
